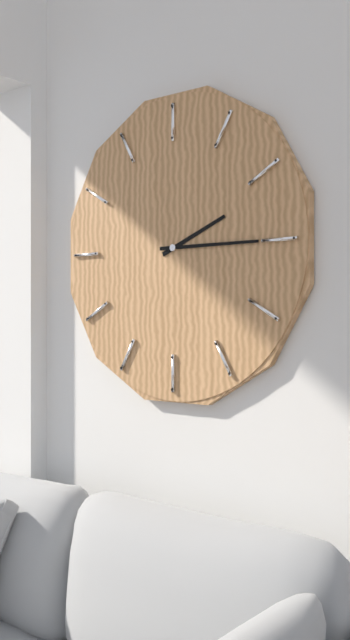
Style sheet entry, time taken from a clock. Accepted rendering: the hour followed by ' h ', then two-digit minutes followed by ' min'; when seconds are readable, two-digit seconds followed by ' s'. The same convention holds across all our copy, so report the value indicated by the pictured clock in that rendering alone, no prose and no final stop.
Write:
2 h 15 min
